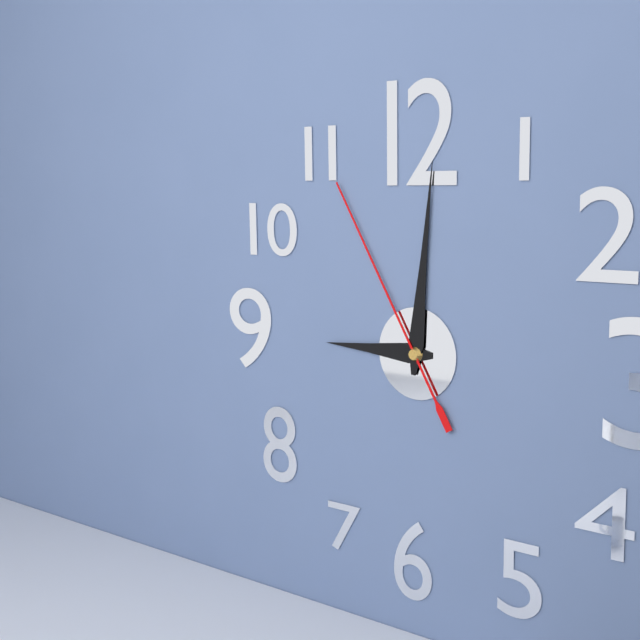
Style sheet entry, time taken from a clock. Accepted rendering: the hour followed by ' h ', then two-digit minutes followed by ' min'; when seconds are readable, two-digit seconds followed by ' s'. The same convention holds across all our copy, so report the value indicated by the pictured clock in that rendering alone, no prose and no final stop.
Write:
9 h 01 min 55 s
